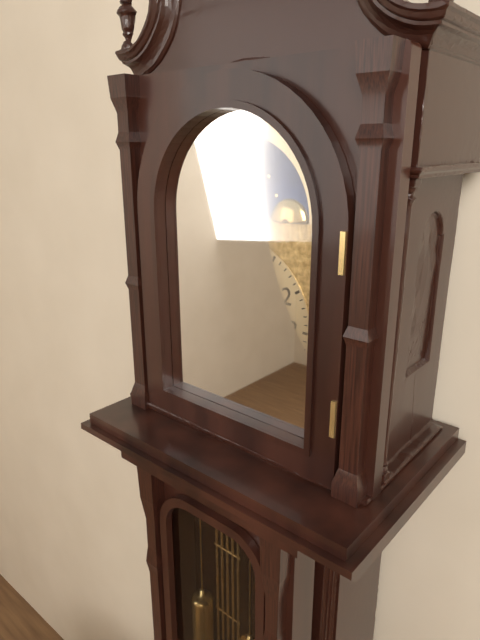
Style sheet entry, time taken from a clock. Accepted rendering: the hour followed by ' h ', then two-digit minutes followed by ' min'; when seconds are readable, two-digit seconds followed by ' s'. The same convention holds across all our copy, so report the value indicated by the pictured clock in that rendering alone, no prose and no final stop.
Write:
1 h 30 min
